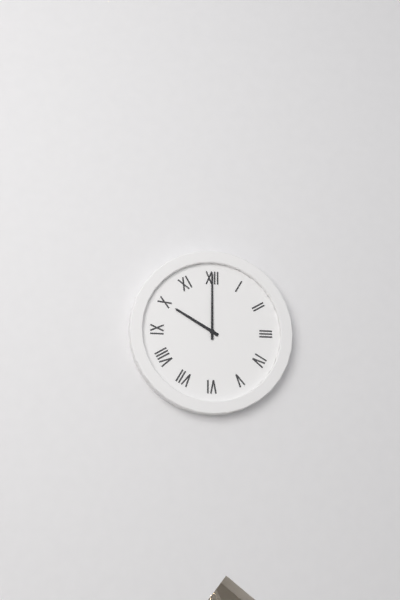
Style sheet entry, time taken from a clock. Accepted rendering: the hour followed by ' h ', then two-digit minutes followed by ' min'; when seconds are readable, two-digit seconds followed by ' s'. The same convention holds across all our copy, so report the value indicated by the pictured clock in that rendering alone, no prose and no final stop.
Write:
10 h 00 min
